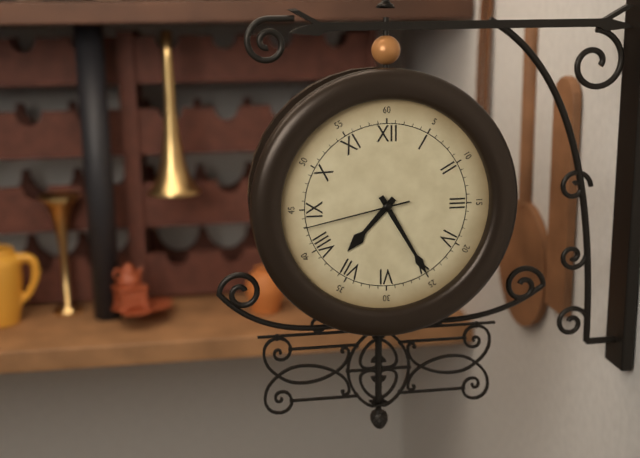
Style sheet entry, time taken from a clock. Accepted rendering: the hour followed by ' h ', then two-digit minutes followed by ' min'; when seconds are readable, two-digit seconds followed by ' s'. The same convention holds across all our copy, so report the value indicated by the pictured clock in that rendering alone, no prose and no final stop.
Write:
7 h 25 min 43 s
